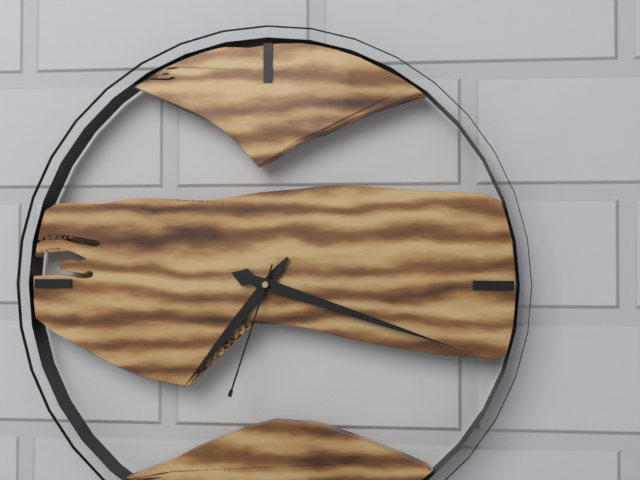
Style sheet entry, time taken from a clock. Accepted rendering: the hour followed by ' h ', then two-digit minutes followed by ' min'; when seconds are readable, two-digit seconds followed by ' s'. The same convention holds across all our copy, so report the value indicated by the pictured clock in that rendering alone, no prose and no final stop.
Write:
7 h 18 min 33 s
